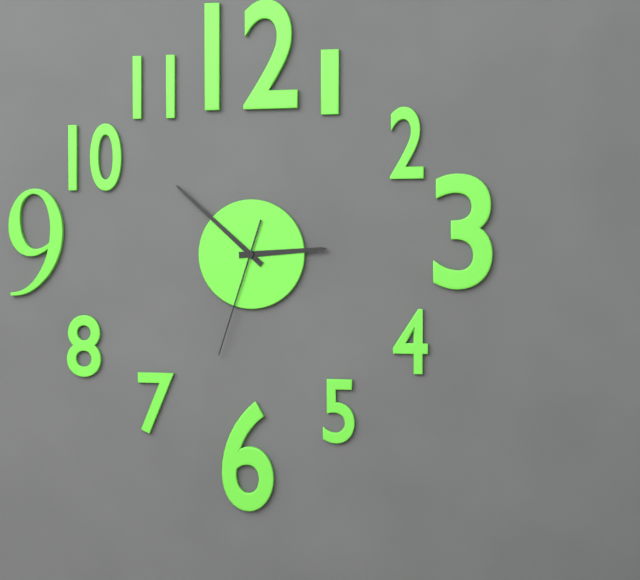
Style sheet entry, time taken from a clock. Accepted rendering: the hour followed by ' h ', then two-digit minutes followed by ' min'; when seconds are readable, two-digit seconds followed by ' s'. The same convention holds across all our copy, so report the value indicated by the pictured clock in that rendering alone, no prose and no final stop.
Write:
2 h 52 min 33 s
